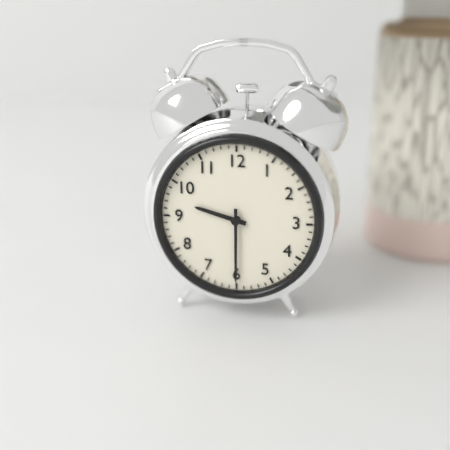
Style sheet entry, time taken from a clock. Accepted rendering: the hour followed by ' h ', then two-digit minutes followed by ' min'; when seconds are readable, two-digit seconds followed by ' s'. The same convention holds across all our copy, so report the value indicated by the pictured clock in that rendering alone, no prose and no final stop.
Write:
9 h 30 min
